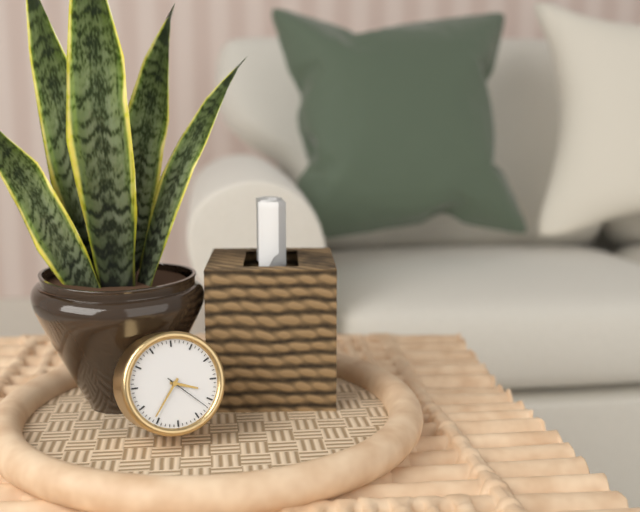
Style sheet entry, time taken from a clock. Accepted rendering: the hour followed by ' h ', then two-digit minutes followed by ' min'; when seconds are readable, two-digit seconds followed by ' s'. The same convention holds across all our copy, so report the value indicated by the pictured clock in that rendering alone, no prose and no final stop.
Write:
3 h 36 min
